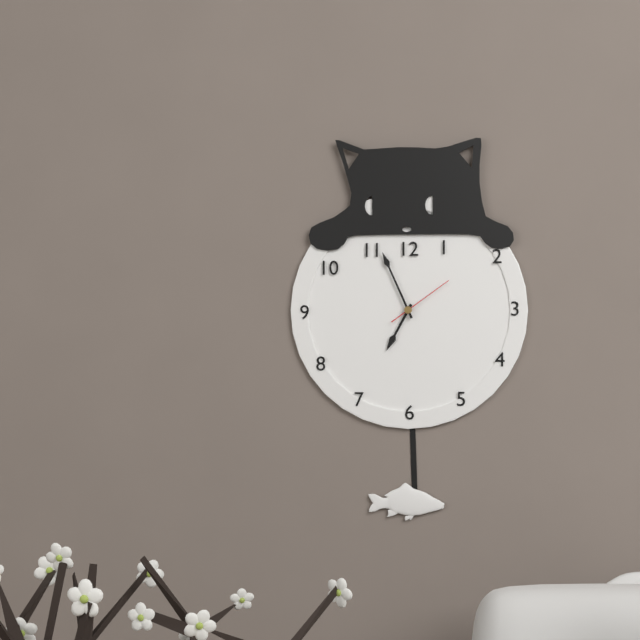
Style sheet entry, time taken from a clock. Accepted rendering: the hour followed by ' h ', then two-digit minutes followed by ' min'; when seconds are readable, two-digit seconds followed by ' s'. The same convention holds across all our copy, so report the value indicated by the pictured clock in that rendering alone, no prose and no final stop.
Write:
6 h 56 min 09 s
